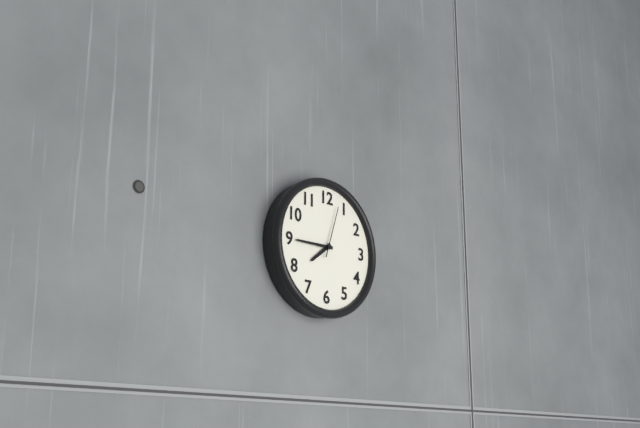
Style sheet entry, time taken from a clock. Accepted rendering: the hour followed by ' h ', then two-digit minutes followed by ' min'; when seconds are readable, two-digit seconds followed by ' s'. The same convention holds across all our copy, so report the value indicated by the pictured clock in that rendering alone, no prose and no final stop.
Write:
7 h 45 min 03 s
